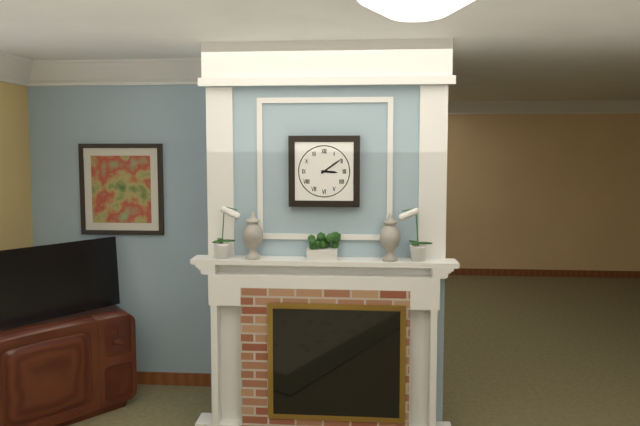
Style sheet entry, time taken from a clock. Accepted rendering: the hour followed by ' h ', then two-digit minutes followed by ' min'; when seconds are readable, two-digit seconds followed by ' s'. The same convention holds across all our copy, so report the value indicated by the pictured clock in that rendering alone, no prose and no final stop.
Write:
3 h 09 min
